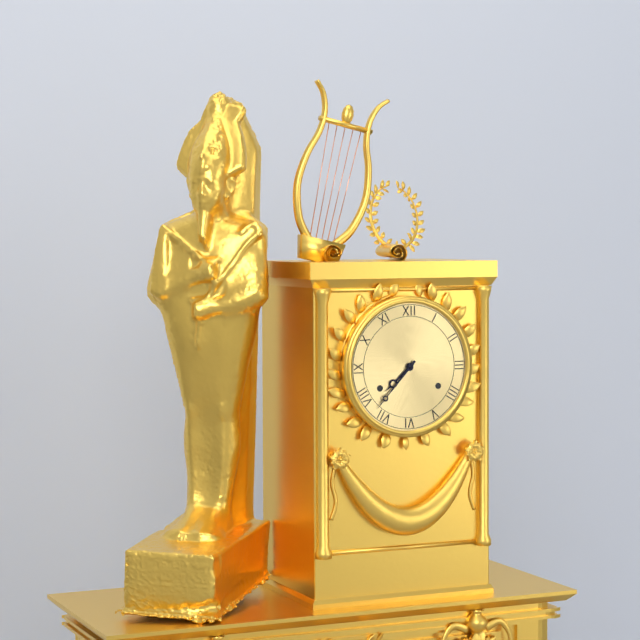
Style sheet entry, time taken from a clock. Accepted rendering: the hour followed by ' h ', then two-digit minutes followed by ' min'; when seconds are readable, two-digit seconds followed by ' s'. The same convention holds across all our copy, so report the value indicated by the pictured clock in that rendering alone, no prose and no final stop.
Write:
7 h 37 min
